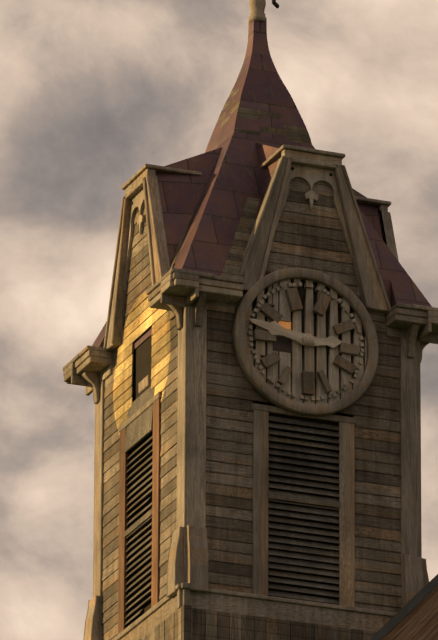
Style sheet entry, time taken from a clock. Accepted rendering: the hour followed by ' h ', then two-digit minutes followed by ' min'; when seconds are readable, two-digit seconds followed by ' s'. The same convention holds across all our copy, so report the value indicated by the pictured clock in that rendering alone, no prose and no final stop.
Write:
2 h 47 min
